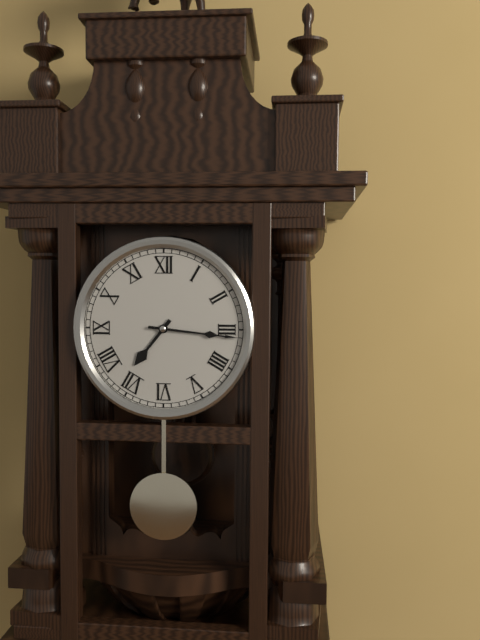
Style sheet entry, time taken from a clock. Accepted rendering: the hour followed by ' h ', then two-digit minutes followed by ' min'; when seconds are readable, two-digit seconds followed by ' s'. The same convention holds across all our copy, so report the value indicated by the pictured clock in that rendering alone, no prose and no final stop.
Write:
7 h 16 min
